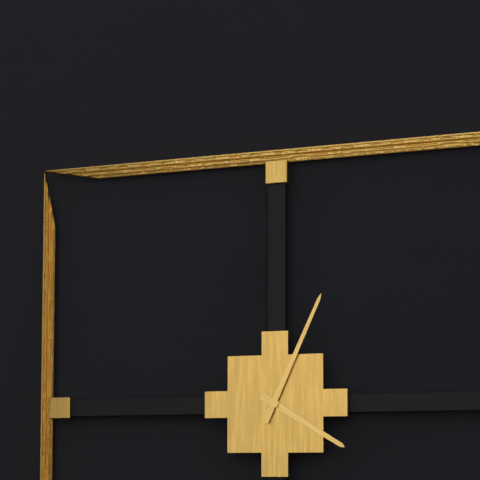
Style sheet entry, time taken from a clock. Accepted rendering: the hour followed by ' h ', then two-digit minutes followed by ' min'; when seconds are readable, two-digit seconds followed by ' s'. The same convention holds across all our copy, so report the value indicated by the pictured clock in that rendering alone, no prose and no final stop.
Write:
4 h 04 min
